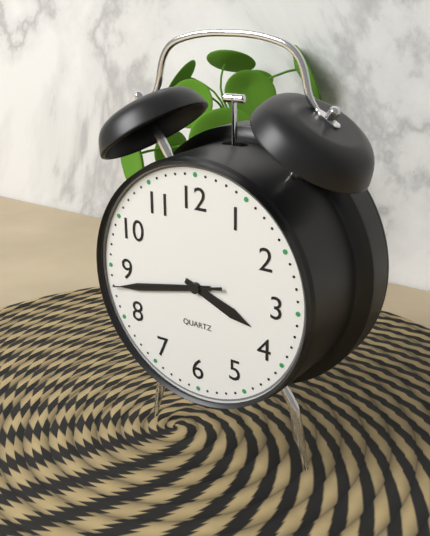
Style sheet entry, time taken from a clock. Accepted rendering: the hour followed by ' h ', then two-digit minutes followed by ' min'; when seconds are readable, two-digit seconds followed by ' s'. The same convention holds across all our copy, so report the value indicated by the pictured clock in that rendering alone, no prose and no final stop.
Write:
3 h 43 min 43 s
